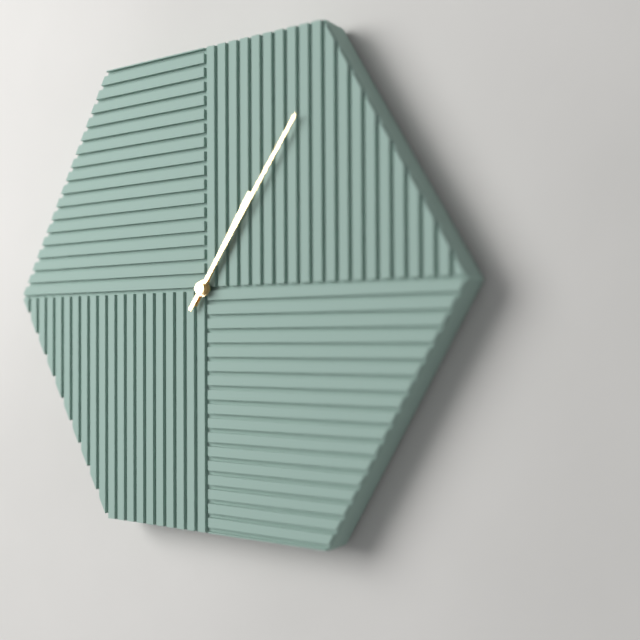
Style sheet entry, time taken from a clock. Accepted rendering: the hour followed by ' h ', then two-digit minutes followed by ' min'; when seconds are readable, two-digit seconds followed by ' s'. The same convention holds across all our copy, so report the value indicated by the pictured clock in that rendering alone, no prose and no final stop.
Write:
1 h 06 min
